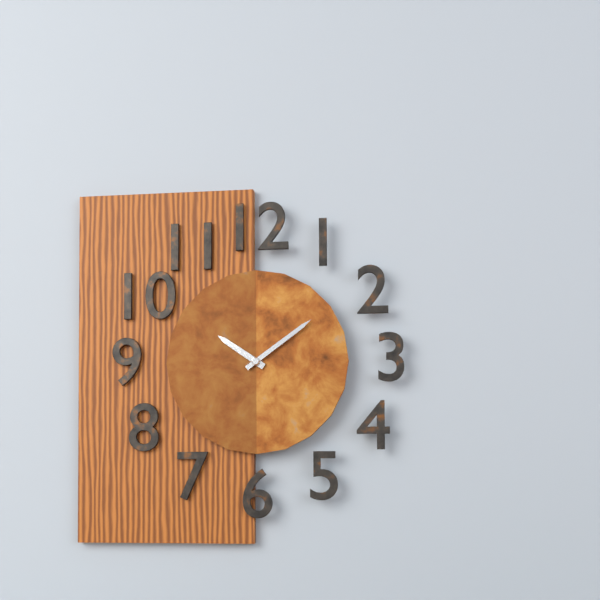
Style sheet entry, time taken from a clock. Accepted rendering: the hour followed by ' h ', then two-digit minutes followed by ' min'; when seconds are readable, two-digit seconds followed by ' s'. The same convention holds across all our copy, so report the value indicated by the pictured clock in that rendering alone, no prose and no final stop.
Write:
10 h 09 min
